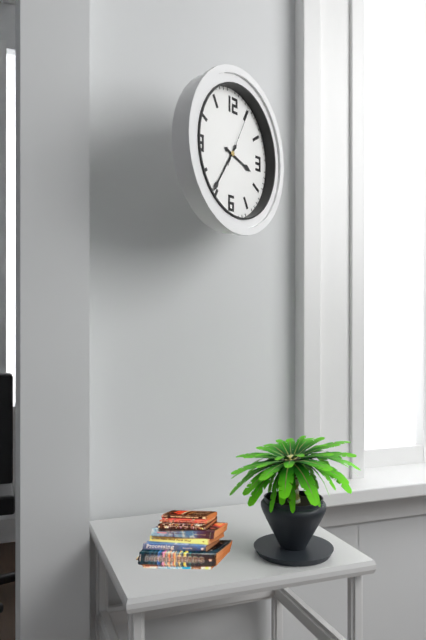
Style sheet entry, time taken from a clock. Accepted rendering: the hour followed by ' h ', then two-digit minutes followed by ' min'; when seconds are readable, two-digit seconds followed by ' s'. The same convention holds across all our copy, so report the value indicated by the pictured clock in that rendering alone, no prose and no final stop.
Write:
3 h 36 min 05 s
